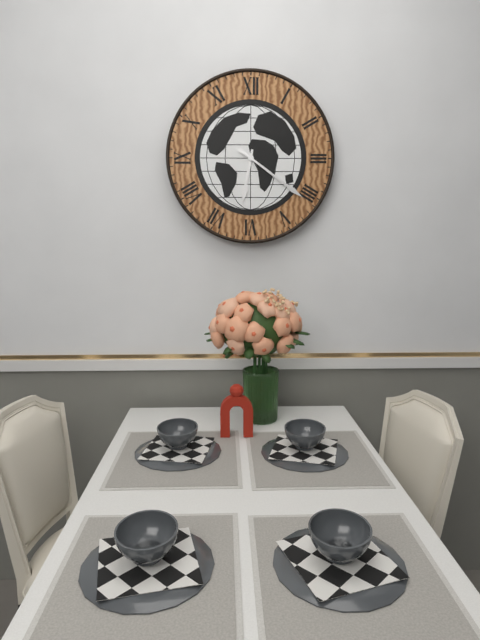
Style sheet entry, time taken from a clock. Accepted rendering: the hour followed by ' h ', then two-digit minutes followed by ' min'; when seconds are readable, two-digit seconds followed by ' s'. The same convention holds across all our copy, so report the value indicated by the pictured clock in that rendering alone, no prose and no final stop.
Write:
6 h 21 min
